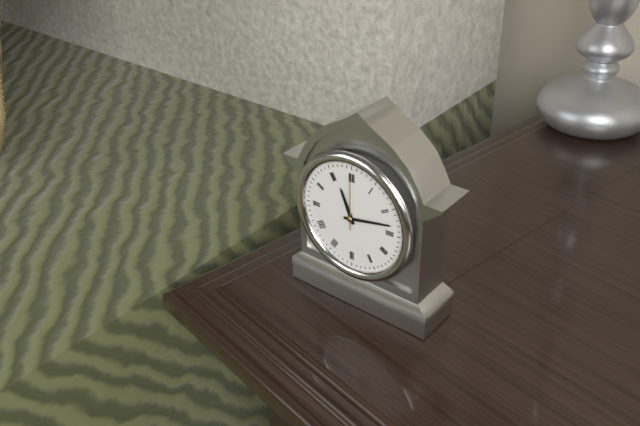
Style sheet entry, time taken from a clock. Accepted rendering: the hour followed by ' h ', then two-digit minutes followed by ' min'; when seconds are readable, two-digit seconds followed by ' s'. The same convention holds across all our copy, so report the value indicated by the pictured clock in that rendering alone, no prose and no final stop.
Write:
11 h 13 min 00 s
